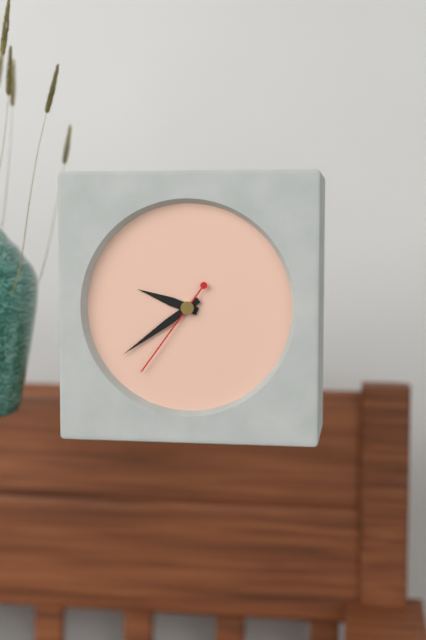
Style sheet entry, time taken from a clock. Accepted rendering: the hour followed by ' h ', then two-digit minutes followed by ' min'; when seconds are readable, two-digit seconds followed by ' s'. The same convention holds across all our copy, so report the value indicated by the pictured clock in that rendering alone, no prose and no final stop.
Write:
9 h 39 min 36 s
